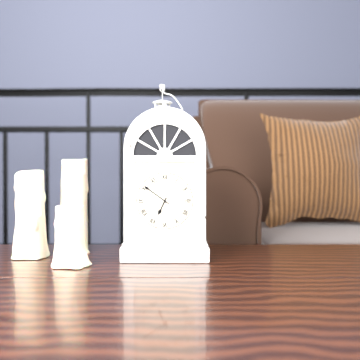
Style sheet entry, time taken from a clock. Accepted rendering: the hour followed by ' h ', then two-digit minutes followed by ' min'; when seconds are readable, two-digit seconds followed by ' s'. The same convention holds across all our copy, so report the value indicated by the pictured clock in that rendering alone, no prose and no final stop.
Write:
6 h 51 min
